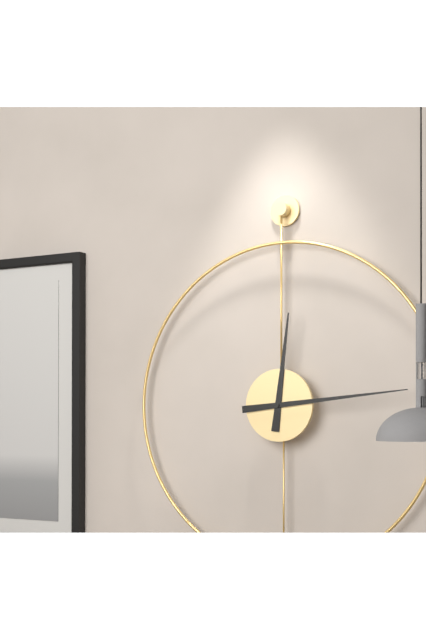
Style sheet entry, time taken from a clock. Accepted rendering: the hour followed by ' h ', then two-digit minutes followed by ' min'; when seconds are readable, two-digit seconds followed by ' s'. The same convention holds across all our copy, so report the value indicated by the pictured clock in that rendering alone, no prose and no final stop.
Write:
12 h 14 min
